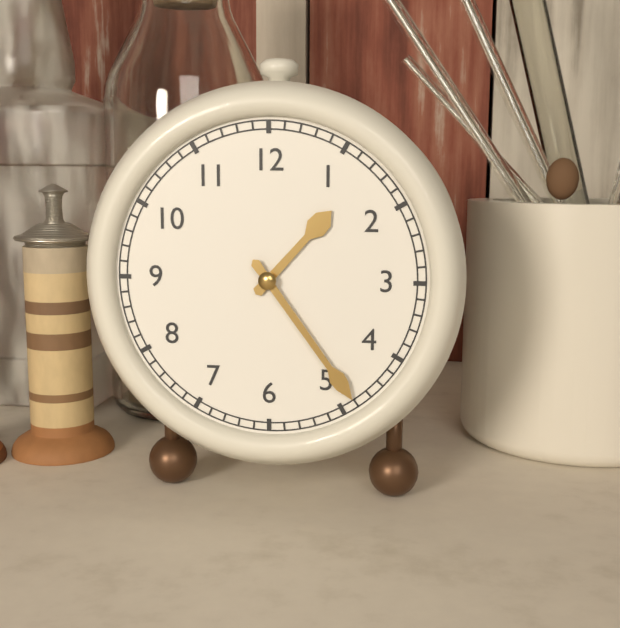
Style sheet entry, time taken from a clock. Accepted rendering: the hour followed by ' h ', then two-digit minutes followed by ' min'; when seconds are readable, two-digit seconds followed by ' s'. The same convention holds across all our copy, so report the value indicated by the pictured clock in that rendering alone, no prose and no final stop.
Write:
1 h 24 min
